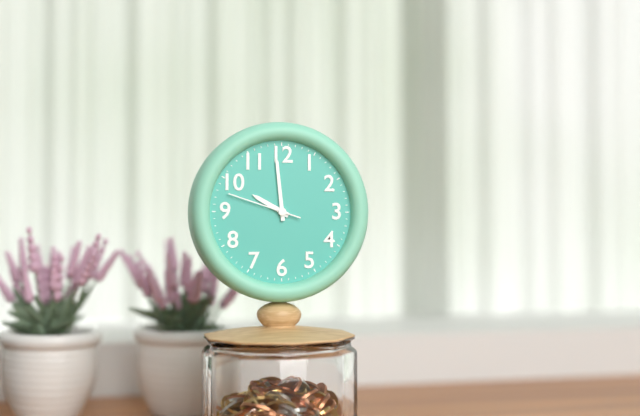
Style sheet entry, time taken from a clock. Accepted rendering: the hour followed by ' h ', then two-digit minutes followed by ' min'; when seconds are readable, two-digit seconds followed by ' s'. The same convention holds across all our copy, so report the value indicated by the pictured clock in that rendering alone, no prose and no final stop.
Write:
9 h 59 min 48 s
